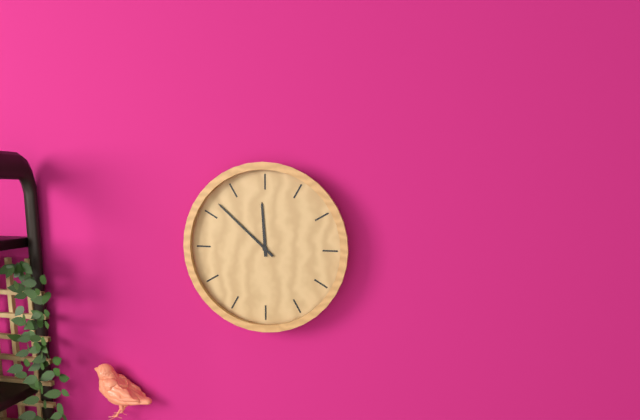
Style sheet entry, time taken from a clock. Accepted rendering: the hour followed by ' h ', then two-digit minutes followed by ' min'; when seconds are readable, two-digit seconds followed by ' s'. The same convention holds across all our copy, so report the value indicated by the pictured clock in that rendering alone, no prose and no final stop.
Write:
11 h 52 min
